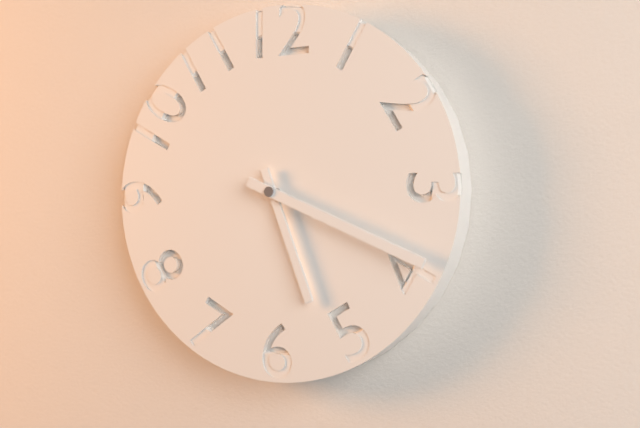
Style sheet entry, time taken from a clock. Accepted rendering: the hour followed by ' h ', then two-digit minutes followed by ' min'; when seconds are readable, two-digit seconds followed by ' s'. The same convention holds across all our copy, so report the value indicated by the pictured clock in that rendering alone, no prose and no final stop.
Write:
5 h 19 min
